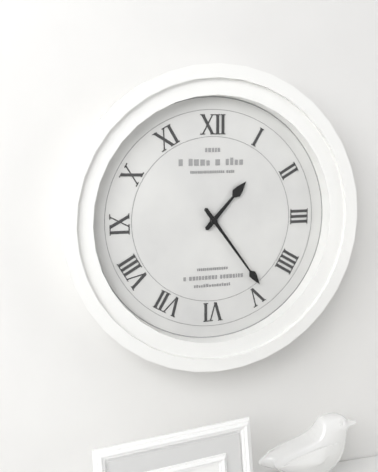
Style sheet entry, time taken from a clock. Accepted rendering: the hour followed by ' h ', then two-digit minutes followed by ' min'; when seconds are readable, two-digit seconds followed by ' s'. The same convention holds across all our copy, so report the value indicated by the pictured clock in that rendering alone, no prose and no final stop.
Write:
1 h 24 min
